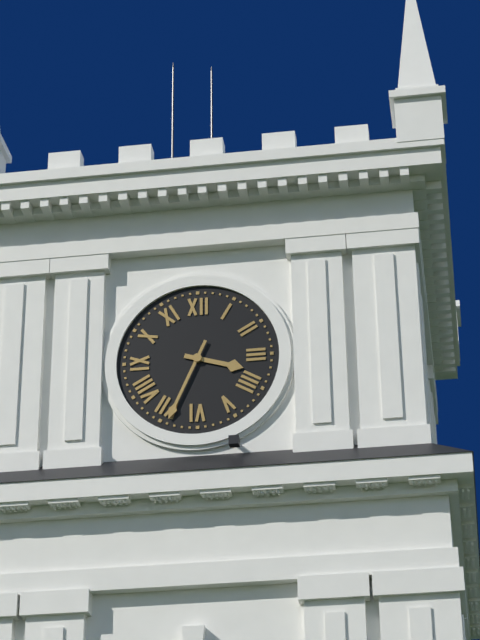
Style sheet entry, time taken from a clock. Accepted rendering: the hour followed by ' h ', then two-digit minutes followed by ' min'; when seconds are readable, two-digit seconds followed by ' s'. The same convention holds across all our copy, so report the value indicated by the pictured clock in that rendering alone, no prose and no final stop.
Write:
3 h 34 min
